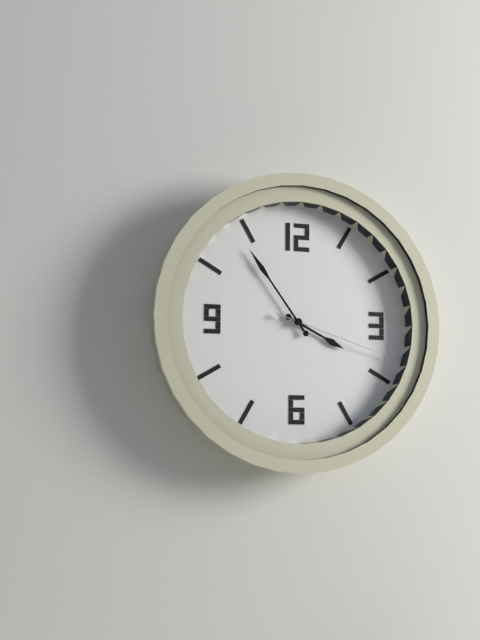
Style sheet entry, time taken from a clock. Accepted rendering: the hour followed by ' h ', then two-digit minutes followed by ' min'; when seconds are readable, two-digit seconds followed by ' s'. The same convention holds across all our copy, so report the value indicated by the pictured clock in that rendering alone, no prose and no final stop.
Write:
3 h 54 min 18 s
